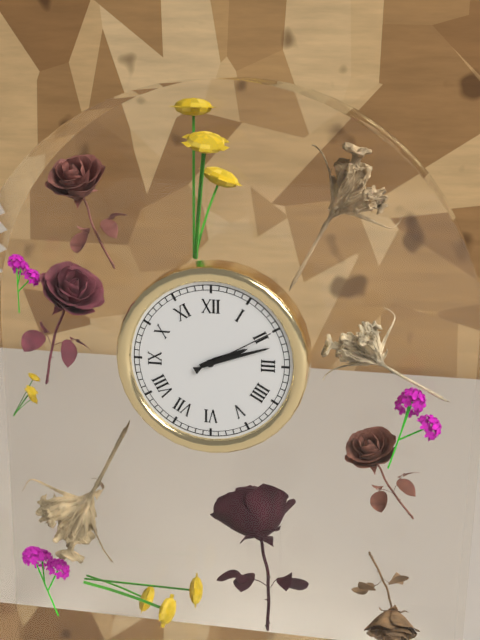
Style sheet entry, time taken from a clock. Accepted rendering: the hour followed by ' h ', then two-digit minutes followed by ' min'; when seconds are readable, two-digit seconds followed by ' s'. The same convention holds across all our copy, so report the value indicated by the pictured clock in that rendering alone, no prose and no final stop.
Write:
2 h 12 min 10 s
